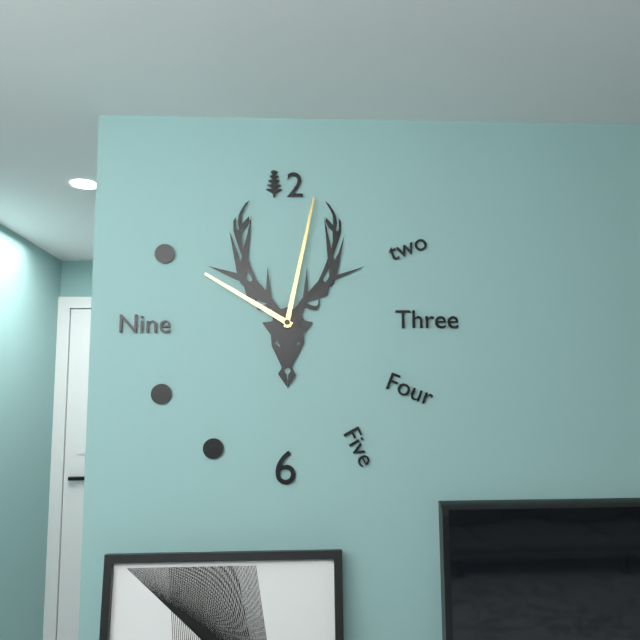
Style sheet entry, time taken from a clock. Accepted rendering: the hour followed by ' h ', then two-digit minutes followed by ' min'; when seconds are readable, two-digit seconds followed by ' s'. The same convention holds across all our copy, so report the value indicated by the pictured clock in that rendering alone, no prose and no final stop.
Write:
10 h 02 min
